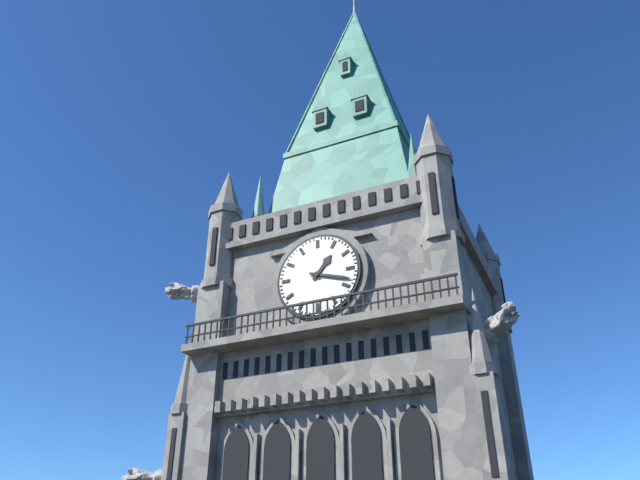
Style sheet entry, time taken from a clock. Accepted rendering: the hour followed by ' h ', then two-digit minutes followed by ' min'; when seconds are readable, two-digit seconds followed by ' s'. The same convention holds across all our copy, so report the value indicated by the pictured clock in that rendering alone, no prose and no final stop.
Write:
1 h 18 min
